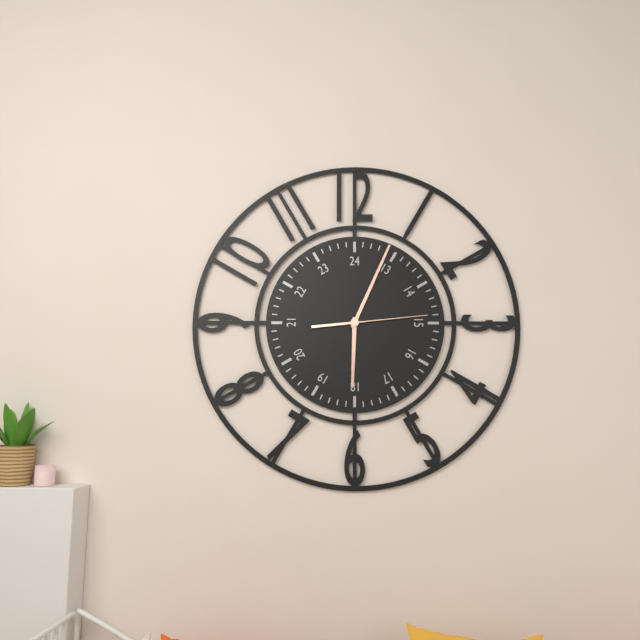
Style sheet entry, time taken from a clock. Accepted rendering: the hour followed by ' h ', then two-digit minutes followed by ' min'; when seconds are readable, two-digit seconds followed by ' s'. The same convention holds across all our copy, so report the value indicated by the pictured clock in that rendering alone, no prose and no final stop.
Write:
6 h 04 min 14 s
